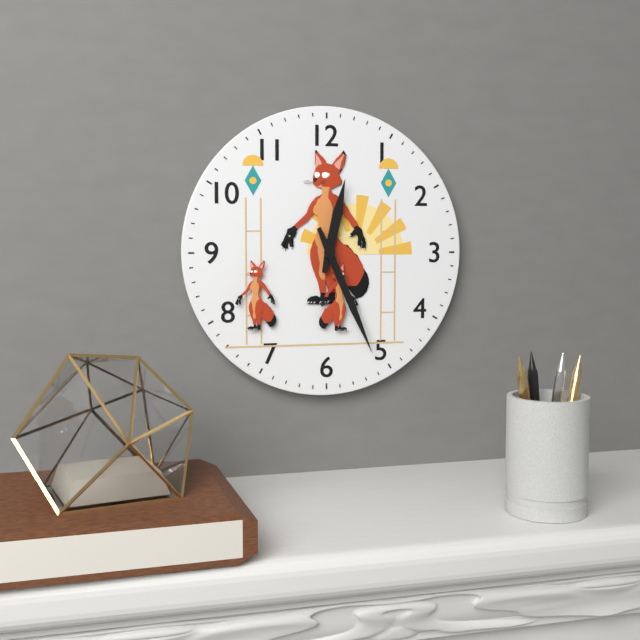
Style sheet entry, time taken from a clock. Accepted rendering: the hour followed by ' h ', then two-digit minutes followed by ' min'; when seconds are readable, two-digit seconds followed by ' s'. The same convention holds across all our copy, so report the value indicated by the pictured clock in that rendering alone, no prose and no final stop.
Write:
12 h 26 min
